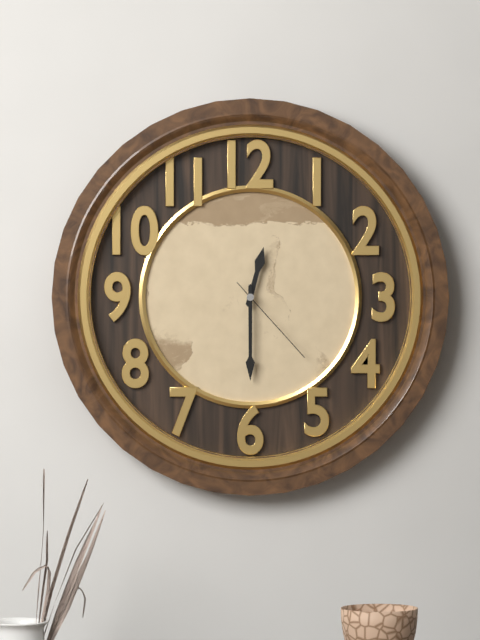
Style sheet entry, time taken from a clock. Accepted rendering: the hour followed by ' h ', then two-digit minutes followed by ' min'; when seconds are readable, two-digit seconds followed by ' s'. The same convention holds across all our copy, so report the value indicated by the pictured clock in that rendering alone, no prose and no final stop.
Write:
12 h 30 min 23 s
